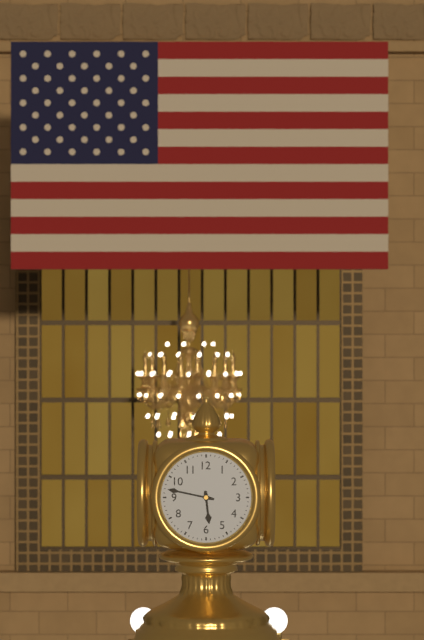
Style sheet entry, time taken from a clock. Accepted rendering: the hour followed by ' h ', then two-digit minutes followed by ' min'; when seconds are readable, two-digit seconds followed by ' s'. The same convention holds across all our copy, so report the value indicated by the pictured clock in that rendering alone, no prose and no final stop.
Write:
5 h 47 min
